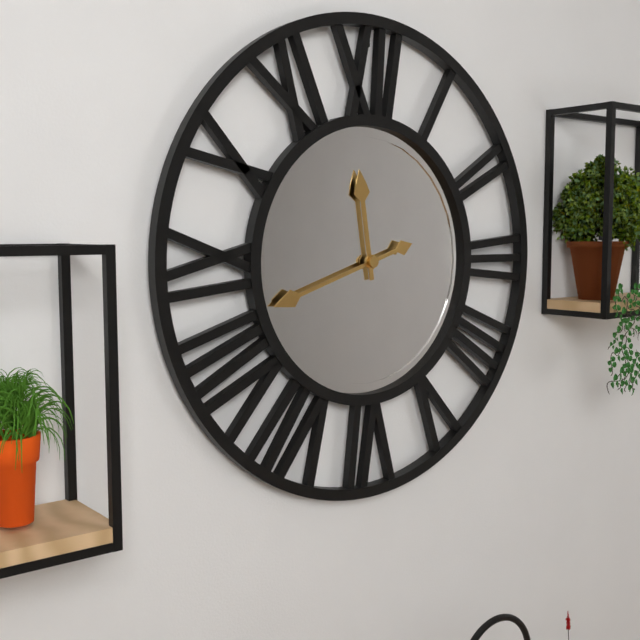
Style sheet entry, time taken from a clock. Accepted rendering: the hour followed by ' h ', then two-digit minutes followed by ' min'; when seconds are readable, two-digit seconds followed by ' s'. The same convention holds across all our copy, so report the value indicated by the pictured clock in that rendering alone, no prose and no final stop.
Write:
11 h 42 min
